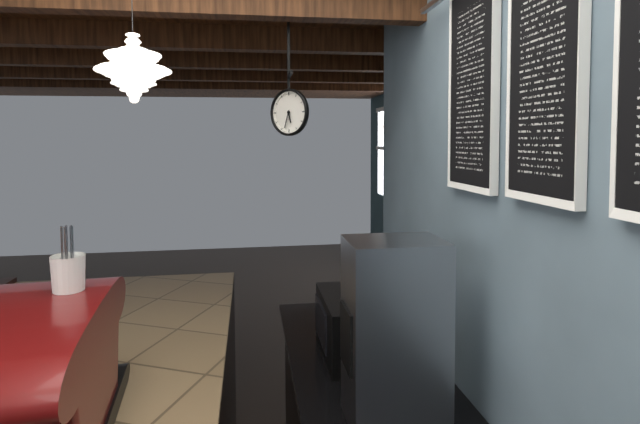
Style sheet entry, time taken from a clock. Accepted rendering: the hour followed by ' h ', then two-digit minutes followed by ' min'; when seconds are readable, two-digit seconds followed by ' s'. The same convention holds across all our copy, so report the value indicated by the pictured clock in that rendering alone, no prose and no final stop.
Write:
5 h 33 min
